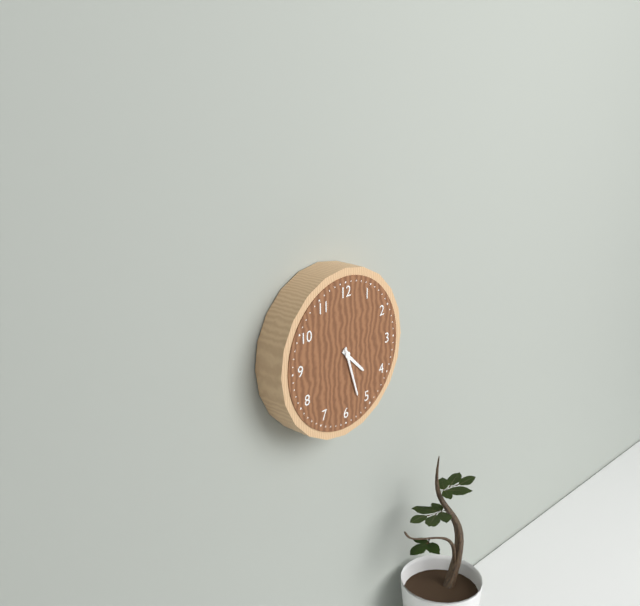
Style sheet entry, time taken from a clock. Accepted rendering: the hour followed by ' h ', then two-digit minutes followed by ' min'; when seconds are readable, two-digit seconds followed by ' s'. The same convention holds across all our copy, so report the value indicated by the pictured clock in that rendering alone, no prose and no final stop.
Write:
4 h 27 min
